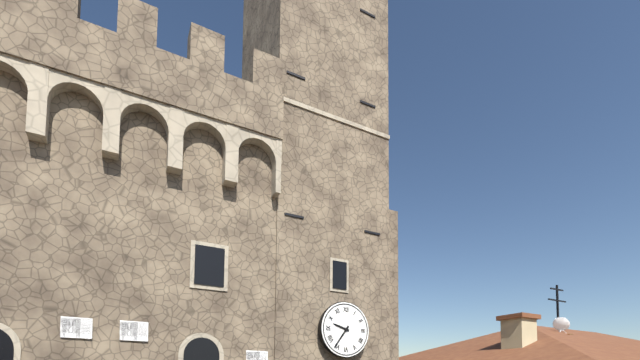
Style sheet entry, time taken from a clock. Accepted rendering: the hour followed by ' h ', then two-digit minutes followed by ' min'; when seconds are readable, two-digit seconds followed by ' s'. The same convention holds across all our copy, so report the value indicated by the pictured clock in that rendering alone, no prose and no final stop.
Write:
9 h 36 min
